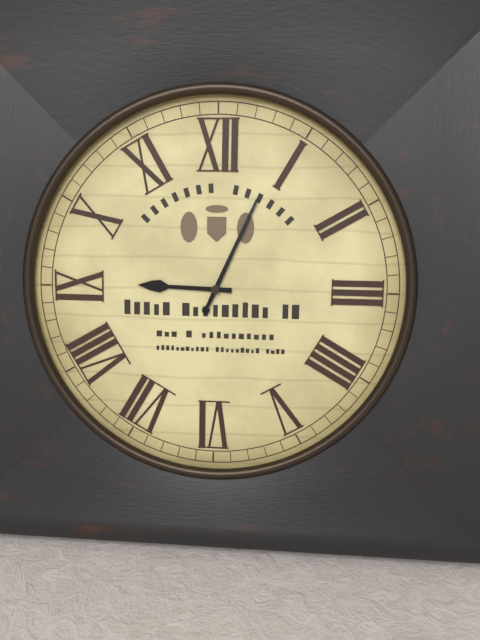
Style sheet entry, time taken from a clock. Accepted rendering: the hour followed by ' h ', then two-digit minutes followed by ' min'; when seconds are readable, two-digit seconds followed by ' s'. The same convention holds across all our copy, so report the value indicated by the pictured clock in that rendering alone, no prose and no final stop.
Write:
9 h 04 min
